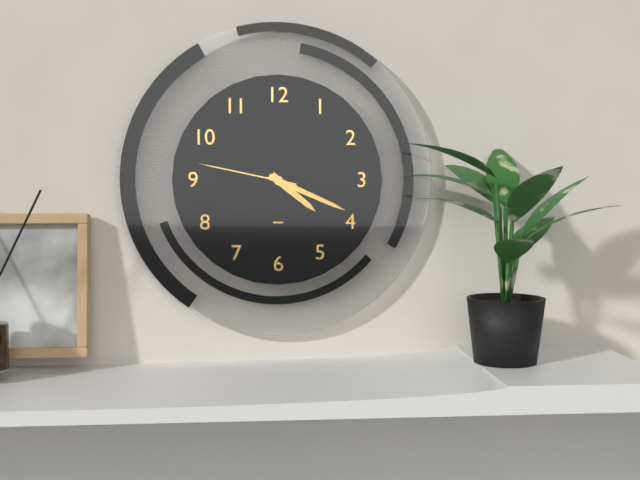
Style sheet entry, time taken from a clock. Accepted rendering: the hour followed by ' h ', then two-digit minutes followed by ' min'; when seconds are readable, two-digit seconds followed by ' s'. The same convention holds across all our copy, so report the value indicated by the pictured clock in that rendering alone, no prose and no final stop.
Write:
4 h 19 min 47 s
